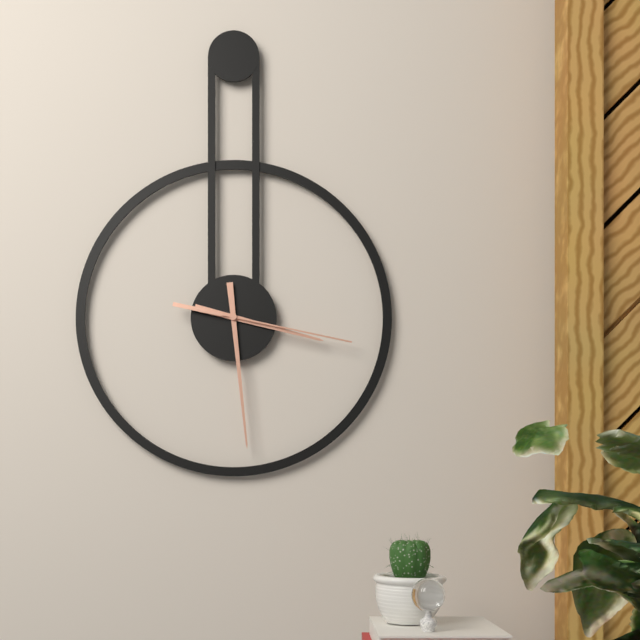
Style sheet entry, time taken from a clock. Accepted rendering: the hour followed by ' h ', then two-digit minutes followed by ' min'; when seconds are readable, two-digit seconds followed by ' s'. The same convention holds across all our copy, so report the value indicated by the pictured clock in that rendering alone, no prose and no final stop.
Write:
3 h 29 min 17 s
